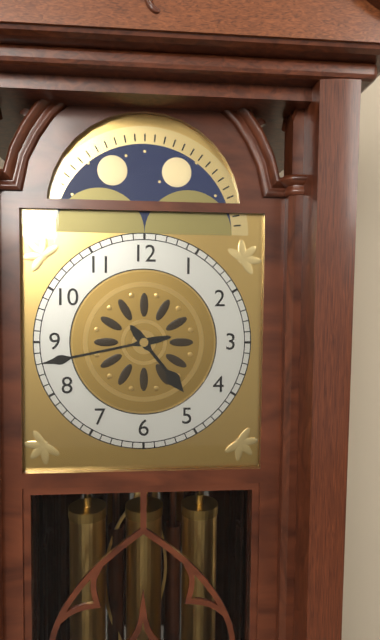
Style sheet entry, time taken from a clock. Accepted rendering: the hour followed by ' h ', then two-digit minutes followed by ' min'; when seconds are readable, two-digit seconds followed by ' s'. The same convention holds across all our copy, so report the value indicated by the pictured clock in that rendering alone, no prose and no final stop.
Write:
4 h 43 min
